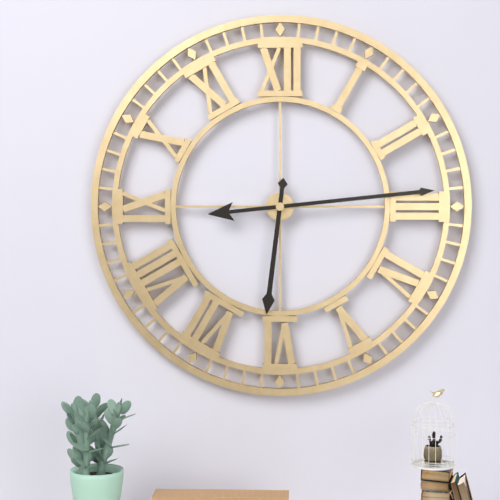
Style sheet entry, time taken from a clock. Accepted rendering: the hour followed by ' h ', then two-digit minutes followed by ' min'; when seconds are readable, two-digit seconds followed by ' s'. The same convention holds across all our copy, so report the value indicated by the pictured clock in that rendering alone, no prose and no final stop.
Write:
6 h 14 min
